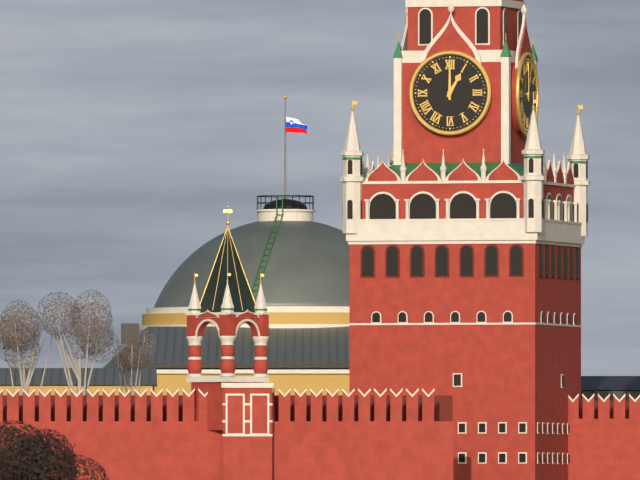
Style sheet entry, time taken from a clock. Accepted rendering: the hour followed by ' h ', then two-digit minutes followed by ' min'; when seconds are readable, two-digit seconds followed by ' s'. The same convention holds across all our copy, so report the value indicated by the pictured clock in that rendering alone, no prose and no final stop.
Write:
1 h 00 min
